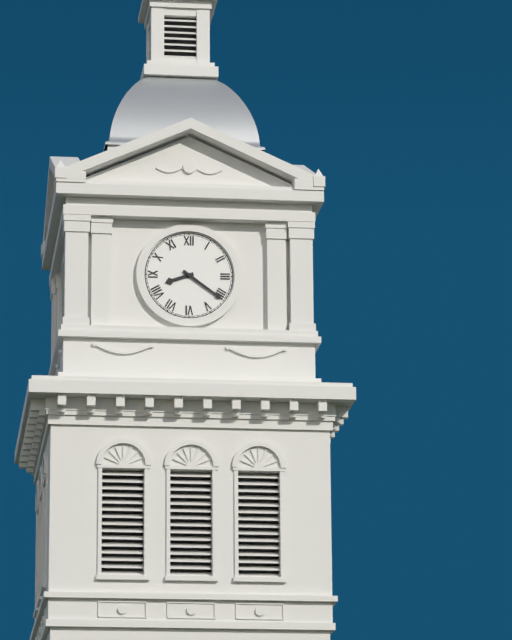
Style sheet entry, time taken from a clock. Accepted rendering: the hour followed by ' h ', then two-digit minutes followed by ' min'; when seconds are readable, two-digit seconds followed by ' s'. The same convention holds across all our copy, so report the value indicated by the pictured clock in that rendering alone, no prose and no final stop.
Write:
8 h 21 min
